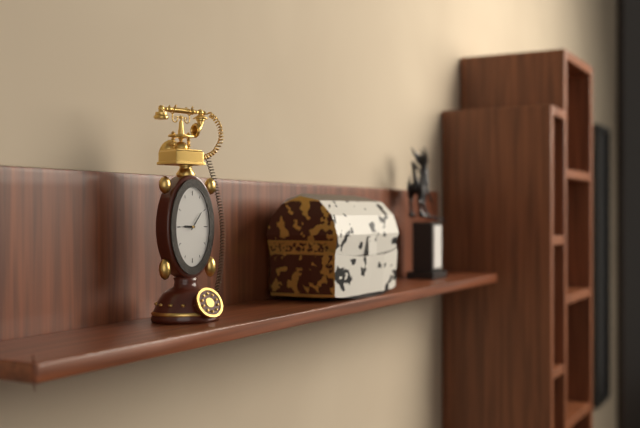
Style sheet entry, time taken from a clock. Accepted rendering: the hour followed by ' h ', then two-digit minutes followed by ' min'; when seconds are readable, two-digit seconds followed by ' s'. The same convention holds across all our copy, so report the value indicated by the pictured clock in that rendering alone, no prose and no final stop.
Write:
9 h 06 min
